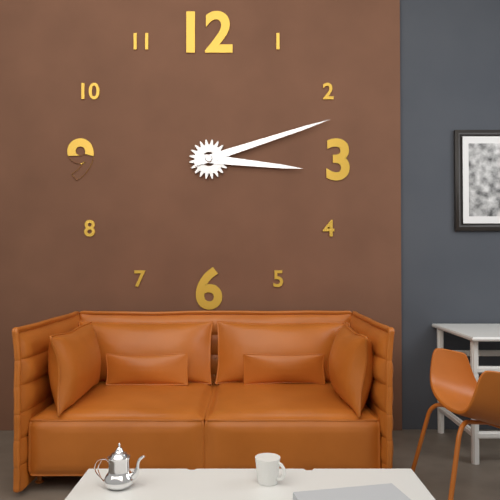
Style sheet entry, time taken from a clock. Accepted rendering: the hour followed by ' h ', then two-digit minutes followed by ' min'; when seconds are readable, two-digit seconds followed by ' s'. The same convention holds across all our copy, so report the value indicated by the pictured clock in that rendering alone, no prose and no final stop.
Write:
3 h 12 min
